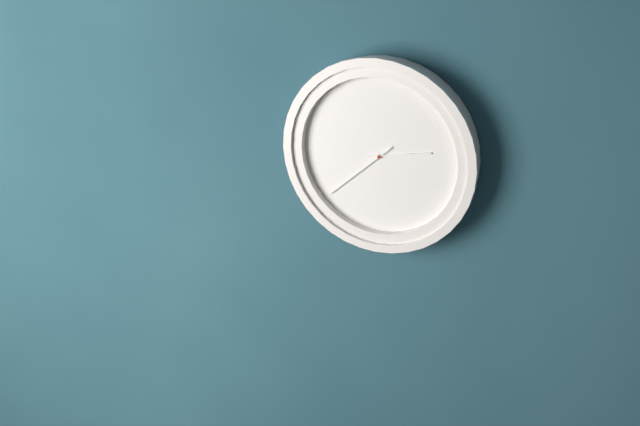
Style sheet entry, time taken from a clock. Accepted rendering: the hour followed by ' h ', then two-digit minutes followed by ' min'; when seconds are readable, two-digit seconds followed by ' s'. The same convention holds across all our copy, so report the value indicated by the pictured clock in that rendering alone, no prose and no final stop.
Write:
2 h 38 min
